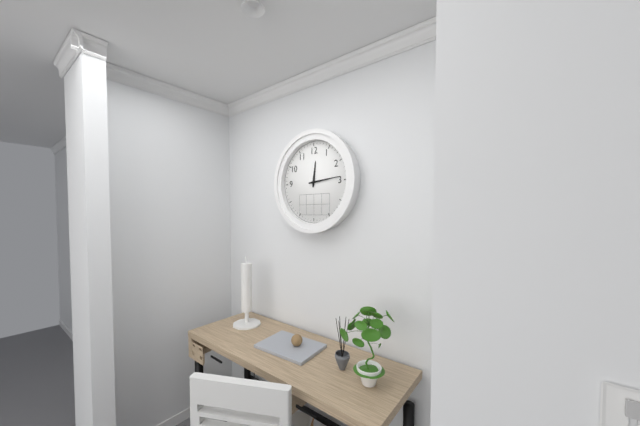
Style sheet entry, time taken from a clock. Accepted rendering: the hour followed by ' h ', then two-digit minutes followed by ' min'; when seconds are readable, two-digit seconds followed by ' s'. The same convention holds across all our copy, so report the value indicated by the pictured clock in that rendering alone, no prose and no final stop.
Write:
12 h 14 min
